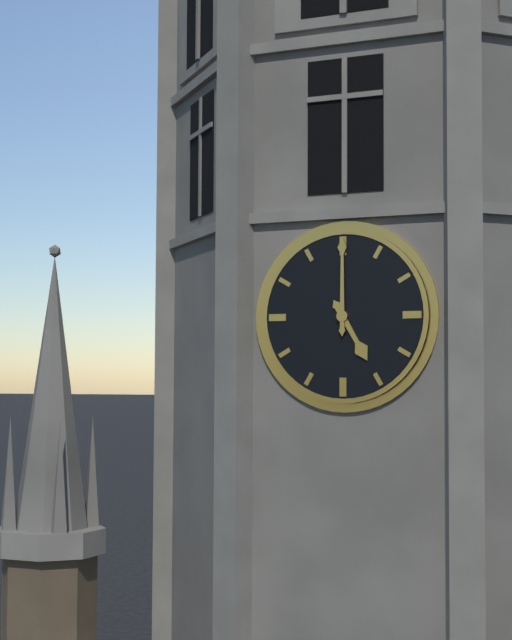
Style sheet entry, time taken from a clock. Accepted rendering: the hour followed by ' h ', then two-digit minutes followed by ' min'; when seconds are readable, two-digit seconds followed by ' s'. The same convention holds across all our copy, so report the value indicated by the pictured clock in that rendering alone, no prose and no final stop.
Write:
5 h 00 min
